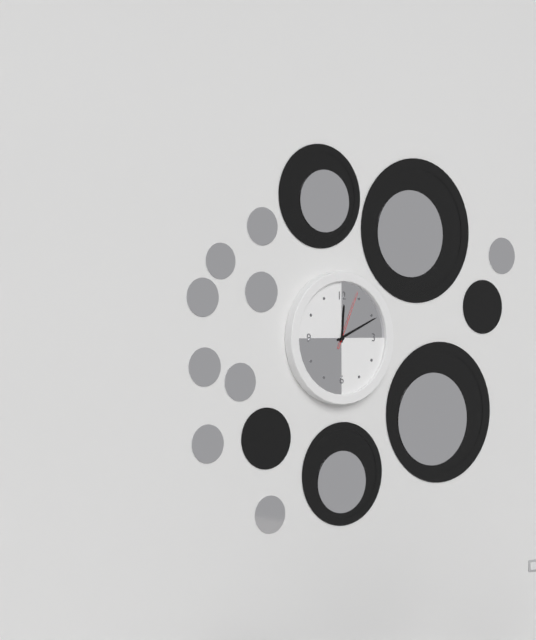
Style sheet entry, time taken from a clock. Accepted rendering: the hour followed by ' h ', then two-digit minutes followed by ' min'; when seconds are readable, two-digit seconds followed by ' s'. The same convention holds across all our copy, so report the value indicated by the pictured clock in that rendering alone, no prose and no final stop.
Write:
12 h 11 min 04 s
